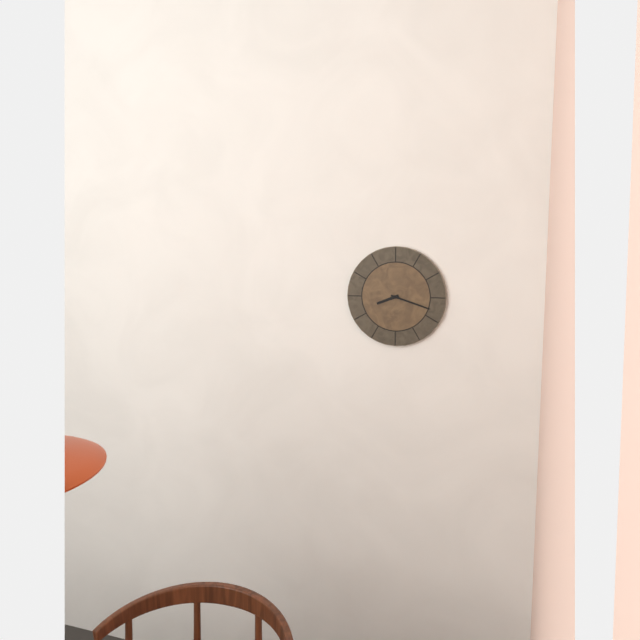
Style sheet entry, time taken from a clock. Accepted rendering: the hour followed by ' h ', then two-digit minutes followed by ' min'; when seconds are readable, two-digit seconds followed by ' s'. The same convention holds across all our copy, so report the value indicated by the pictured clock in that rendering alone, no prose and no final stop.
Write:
8 h 18 min
